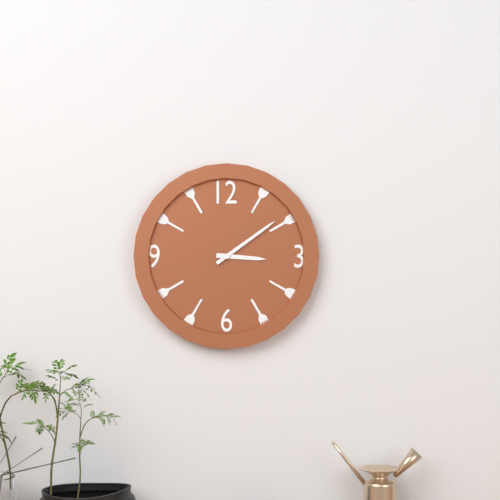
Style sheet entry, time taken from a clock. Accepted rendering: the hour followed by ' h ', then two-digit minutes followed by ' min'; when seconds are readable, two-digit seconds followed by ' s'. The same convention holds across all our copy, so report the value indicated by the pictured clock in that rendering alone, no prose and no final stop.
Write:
3 h 09 min
